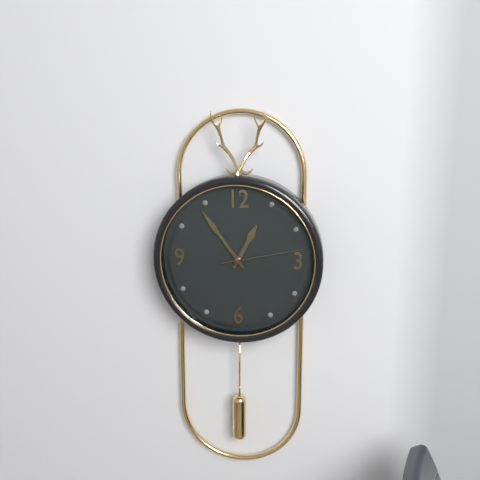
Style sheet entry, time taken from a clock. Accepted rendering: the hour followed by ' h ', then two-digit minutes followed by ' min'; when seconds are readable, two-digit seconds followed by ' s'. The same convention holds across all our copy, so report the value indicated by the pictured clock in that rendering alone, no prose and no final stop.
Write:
12 h 54 min 13 s
